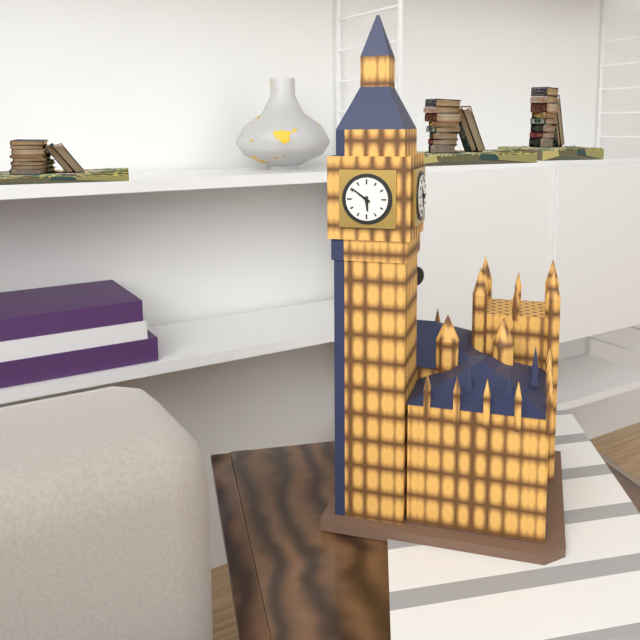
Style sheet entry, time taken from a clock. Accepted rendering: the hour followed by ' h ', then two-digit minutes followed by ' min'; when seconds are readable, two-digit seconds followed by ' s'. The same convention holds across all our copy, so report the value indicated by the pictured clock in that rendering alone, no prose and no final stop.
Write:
5 h 51 min
